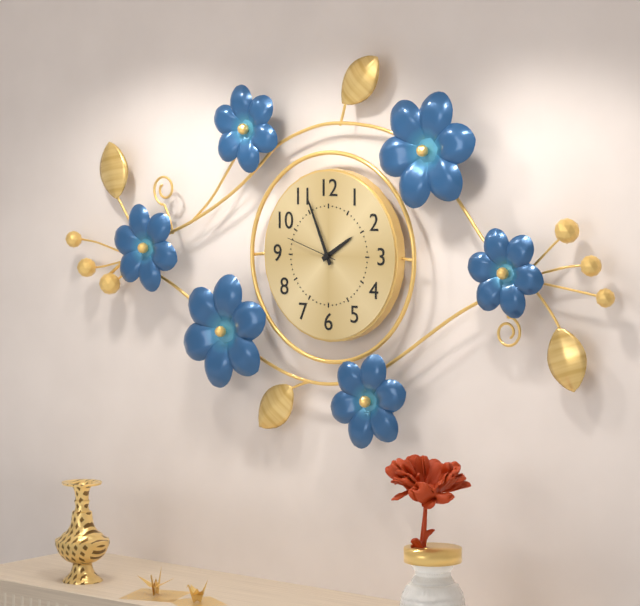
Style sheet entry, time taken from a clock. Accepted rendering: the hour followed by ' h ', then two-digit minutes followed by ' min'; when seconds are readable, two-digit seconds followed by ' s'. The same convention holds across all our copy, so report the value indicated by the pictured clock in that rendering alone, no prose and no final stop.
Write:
1 h 56 min 48 s
